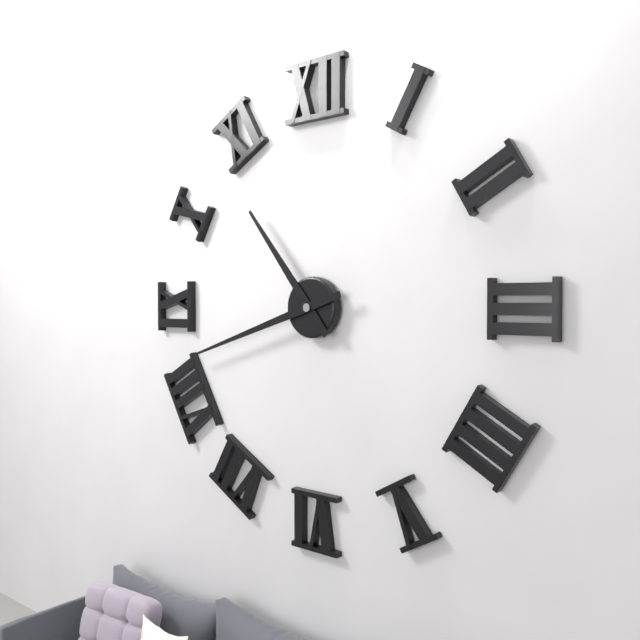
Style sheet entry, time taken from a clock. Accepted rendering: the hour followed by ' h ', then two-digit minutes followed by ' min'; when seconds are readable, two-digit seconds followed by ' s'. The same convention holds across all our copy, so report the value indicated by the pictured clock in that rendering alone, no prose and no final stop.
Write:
10 h 42 min
